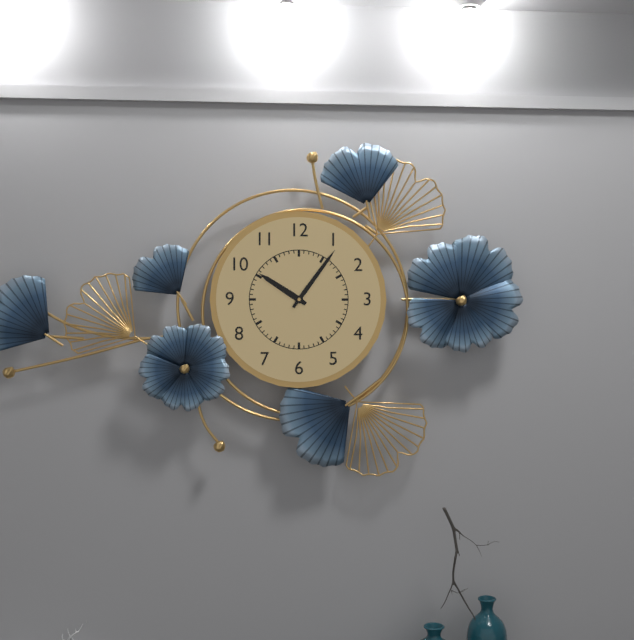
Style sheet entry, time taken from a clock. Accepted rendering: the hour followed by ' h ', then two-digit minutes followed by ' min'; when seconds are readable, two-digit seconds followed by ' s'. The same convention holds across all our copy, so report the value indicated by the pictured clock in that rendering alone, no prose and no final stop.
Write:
10 h 06 min
